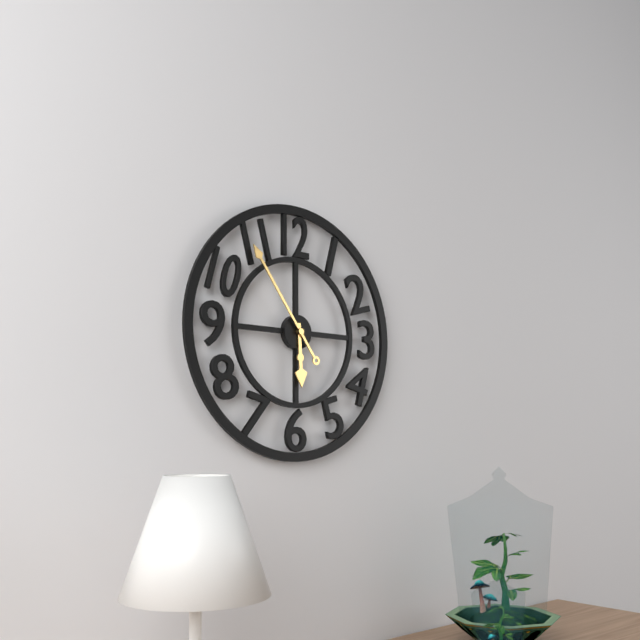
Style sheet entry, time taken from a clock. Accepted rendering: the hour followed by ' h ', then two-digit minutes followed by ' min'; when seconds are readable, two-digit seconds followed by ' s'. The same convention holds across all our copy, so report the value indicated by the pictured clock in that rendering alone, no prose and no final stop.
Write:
5 h 54 min
